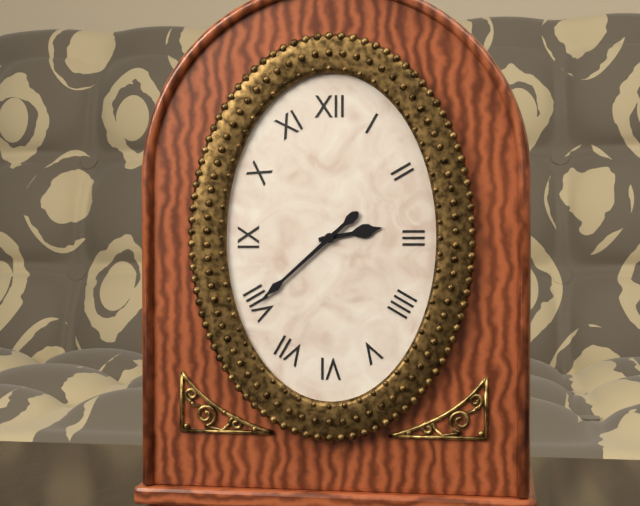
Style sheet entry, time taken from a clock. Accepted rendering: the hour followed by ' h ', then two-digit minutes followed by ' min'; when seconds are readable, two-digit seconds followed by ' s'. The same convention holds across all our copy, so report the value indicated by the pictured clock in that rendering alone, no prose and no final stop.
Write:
2 h 38 min
